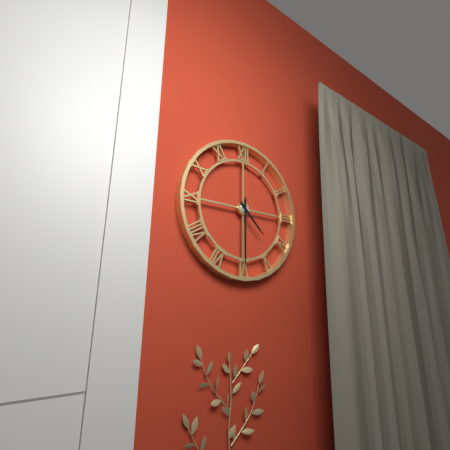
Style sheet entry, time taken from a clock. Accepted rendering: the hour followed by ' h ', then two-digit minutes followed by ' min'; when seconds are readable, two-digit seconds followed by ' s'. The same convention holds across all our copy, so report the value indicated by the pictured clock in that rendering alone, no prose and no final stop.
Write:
4 h 30 min
